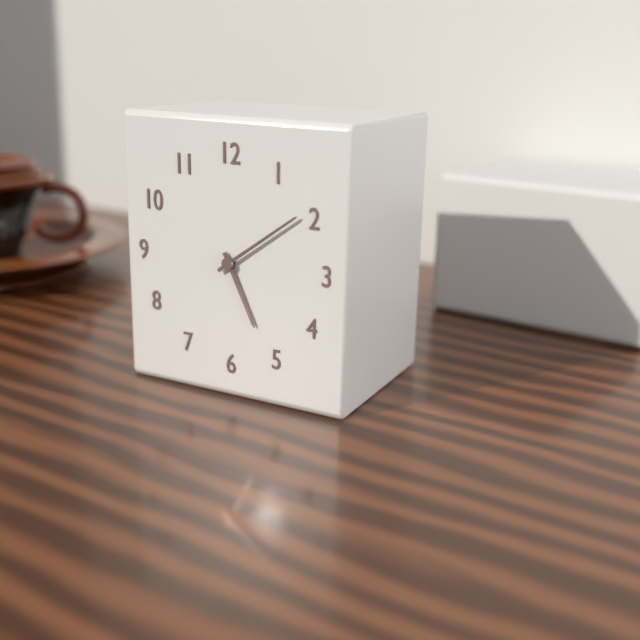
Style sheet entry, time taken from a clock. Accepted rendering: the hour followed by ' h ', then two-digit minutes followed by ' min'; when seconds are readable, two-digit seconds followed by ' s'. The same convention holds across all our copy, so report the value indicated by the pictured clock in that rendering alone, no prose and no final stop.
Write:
5 h 09 min
